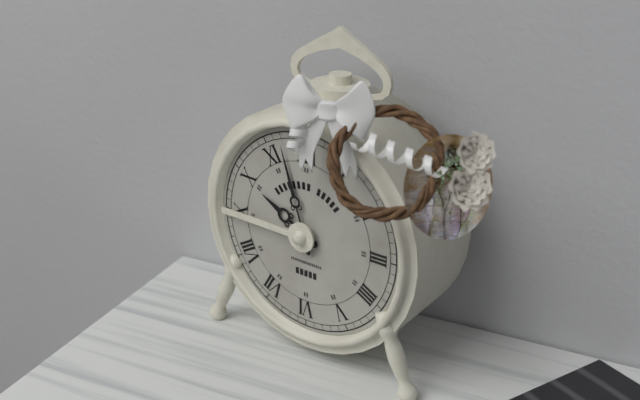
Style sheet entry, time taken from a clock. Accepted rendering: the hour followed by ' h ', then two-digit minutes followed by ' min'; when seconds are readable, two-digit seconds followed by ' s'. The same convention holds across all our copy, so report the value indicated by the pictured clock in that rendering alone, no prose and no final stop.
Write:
9 h 57 min
